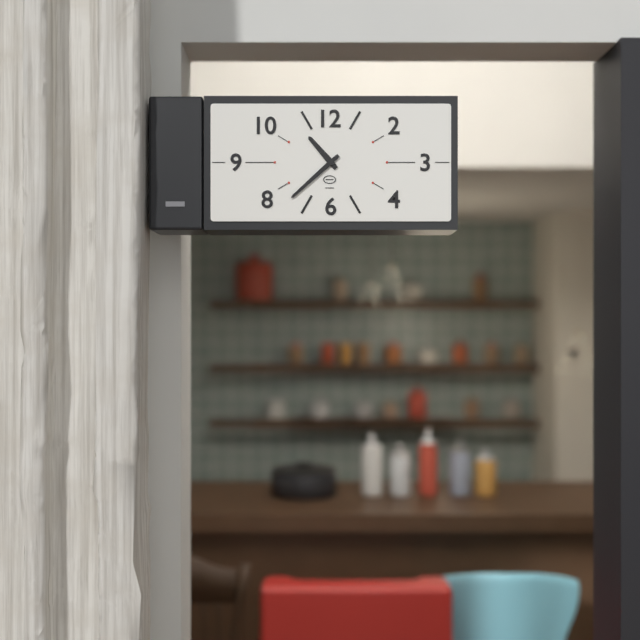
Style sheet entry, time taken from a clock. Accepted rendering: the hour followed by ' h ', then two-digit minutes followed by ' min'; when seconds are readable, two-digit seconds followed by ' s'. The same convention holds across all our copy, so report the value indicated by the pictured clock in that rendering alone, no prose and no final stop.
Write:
10 h 38 min
